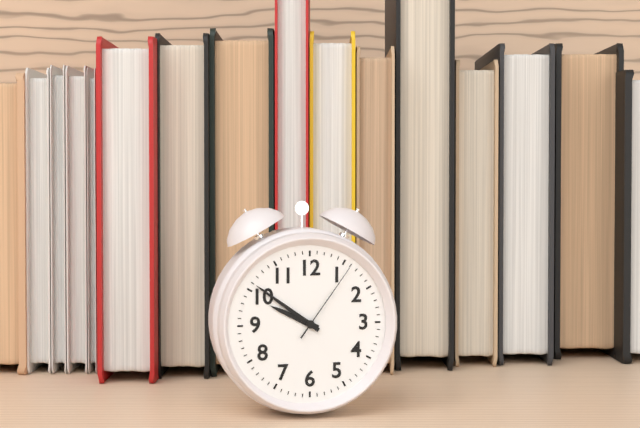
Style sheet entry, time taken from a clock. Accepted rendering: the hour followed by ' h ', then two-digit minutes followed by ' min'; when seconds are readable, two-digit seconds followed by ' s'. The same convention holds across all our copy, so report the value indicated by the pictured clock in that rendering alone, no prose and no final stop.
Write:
9 h 51 min 06 s
